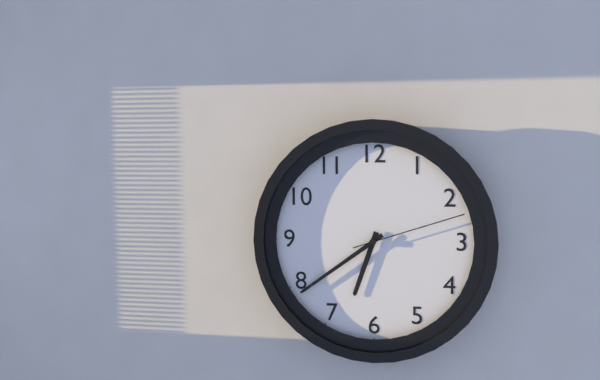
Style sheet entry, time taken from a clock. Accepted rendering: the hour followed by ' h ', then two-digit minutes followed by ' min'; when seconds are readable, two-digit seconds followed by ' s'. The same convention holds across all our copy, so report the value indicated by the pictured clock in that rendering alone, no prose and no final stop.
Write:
6 h 39 min 12 s
